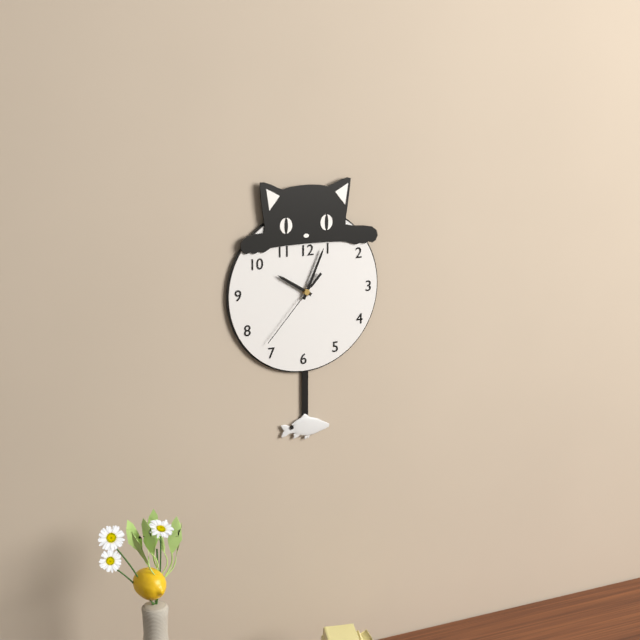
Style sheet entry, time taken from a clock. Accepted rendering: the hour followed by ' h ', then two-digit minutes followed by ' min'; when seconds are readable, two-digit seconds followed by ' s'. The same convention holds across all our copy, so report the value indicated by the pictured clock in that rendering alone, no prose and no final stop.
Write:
10 h 04 min 37 s
